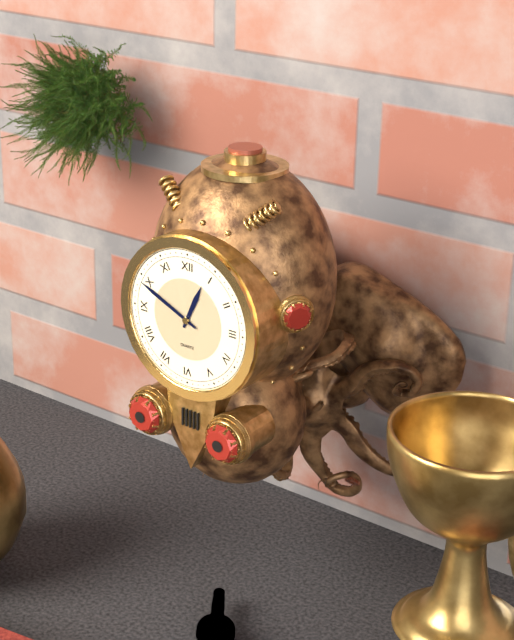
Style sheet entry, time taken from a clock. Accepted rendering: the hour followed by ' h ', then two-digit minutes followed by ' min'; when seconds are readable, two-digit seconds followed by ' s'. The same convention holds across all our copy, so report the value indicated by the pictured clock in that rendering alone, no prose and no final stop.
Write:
12 h 49 min
